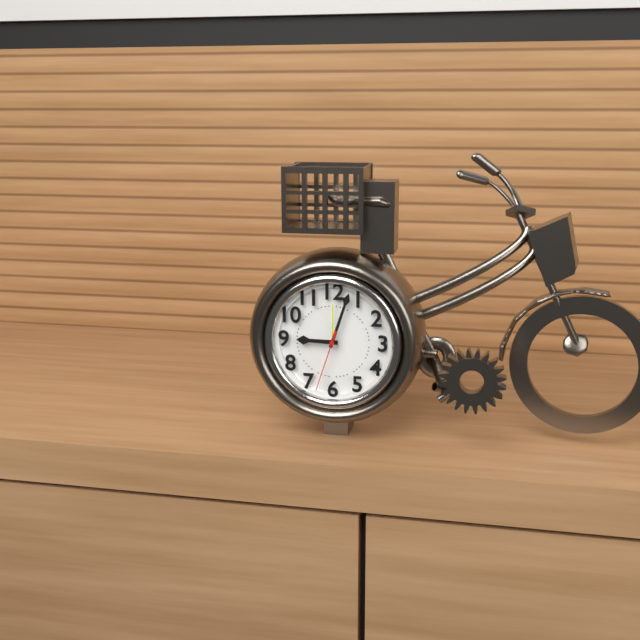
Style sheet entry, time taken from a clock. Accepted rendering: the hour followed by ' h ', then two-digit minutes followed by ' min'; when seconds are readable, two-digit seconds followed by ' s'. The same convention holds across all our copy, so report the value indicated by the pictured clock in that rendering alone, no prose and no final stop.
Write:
9 h 03 min 33 s
